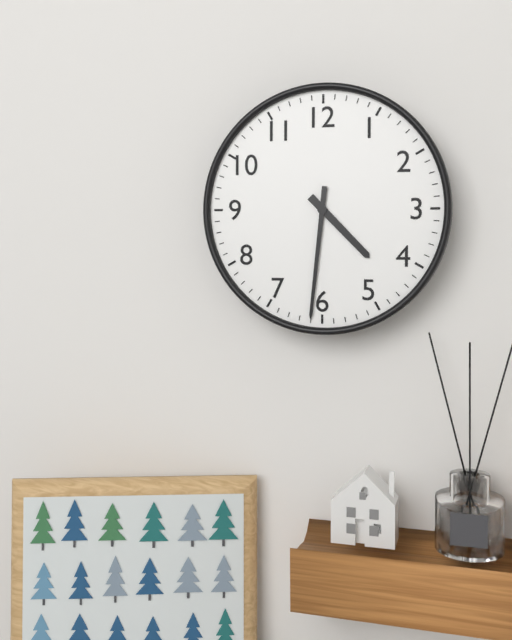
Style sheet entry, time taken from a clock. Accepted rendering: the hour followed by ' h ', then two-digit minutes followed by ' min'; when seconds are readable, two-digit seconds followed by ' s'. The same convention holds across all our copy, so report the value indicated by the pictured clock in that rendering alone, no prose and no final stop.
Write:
4 h 31 min
